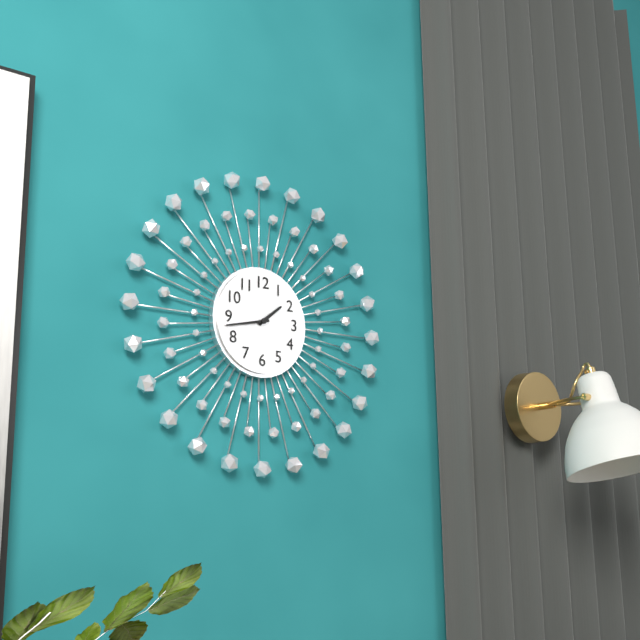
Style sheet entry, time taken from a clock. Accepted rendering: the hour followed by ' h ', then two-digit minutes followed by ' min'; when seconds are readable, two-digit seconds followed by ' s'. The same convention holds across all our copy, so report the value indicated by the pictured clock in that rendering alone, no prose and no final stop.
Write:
1 h 43 min
